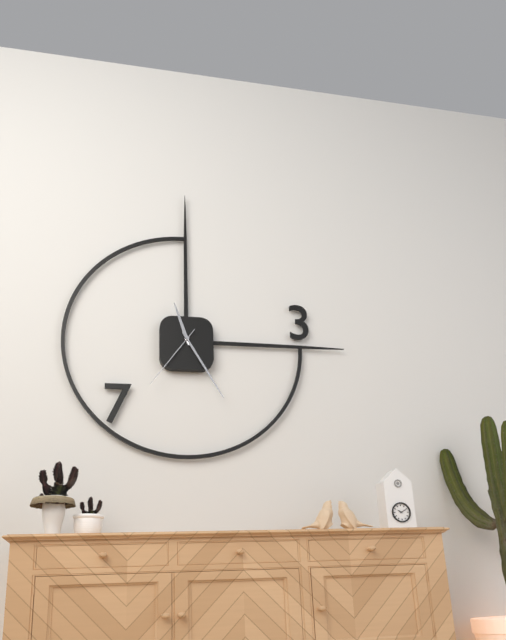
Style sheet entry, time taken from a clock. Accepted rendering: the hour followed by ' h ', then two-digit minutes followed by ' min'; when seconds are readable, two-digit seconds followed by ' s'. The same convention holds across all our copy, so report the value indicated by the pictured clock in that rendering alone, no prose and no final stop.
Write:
11 h 25 min 36 s
